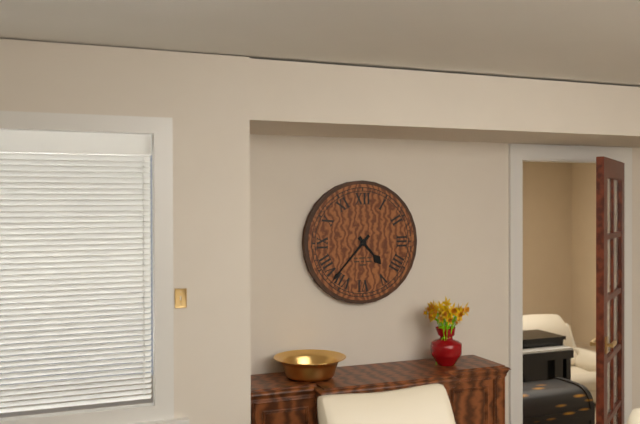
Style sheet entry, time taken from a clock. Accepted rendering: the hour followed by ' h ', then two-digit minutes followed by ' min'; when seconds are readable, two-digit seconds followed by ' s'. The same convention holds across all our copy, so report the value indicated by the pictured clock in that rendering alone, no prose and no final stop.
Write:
4 h 37 min
